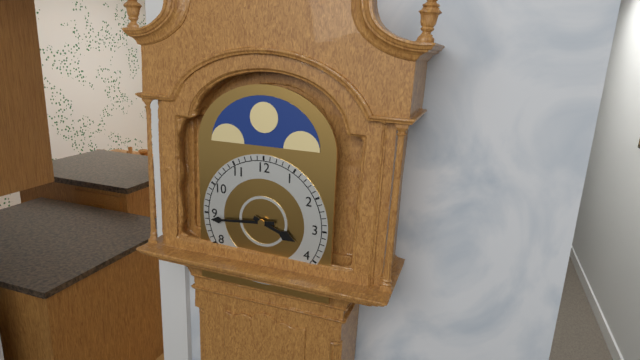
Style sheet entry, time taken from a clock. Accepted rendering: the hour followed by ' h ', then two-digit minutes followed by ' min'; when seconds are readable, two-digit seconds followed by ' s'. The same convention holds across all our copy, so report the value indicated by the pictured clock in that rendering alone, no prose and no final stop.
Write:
3 h 44 min
